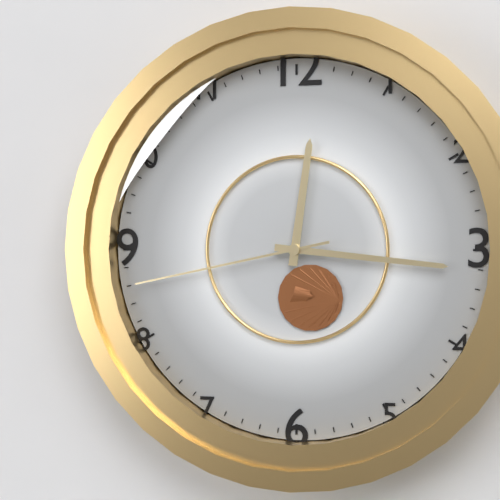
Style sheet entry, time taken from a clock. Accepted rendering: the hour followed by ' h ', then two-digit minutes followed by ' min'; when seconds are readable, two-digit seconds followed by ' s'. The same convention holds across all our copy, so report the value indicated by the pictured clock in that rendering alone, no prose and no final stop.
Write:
12 h 16 min 43 s
